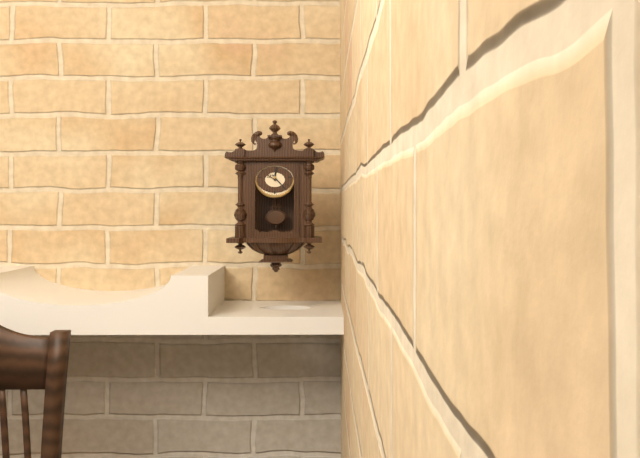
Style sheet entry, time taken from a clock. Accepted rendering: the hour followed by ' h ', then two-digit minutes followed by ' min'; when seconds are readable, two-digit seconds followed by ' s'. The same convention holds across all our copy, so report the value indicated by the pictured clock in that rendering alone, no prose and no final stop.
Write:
12 h 23 min
